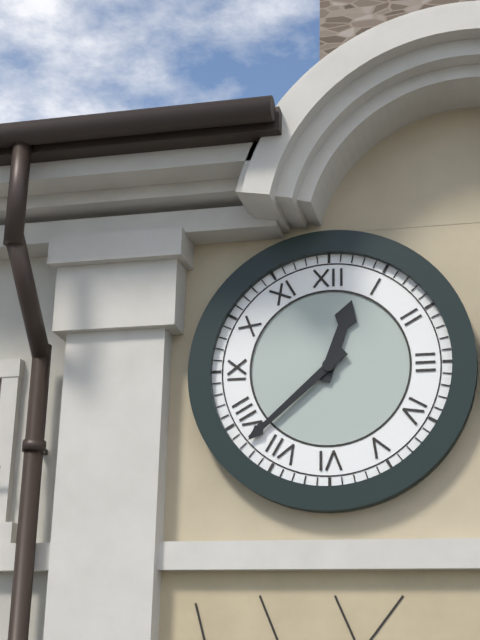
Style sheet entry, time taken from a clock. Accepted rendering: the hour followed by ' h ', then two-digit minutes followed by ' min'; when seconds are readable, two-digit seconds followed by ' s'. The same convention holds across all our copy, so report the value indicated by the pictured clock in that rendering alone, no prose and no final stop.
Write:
12 h 38 min
